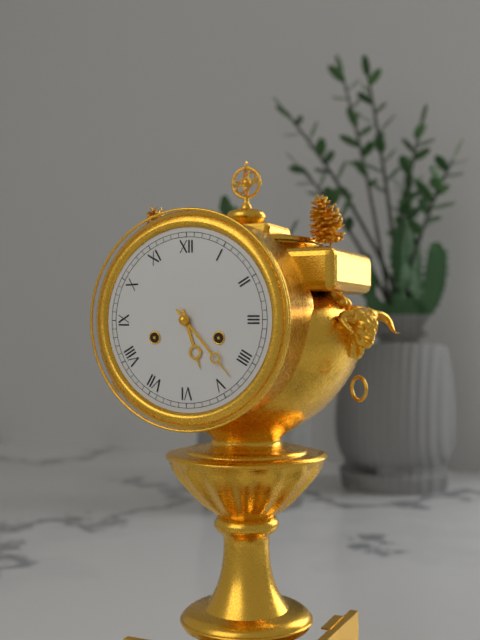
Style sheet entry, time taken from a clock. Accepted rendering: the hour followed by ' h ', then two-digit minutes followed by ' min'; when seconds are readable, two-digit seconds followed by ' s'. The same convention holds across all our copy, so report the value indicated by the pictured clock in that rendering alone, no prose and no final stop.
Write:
5 h 23 min
